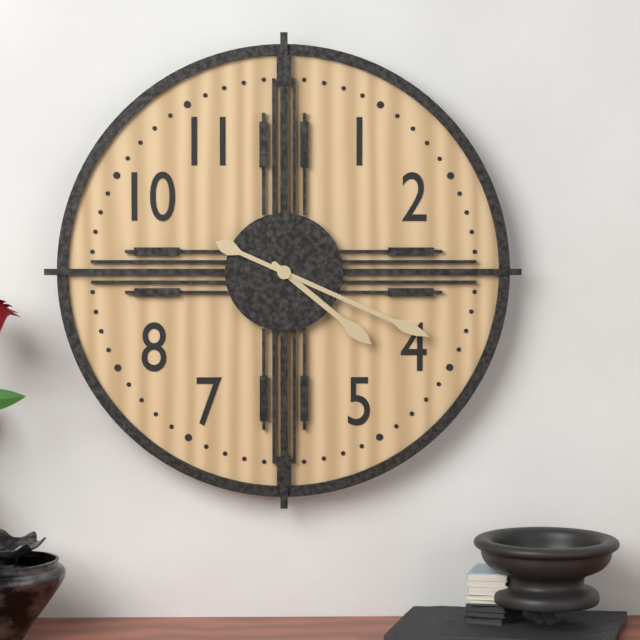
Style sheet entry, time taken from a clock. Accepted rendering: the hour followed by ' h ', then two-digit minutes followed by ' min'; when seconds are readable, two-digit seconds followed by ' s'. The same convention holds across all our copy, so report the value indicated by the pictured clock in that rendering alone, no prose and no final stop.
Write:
4 h 19 min
